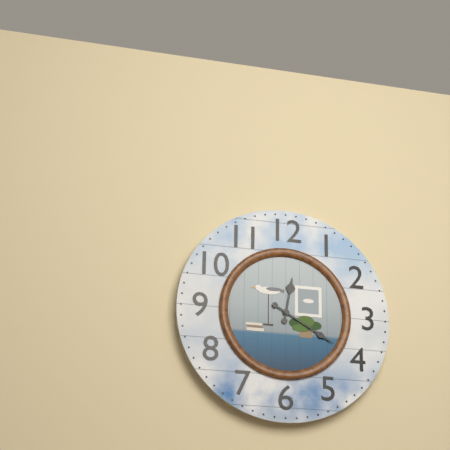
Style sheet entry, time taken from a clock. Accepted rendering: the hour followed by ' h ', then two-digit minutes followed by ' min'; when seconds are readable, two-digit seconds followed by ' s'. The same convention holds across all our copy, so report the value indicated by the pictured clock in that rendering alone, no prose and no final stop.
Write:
12 h 20 min
